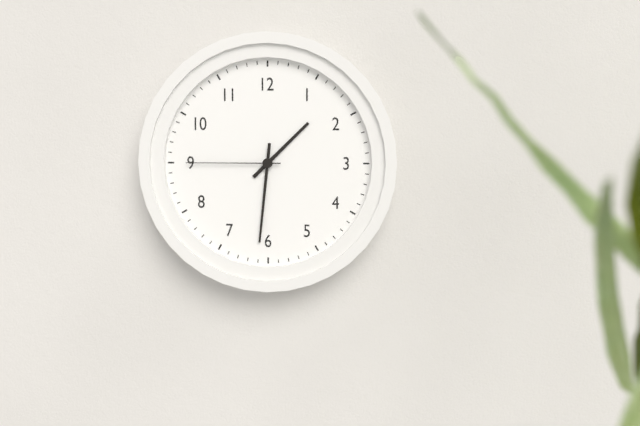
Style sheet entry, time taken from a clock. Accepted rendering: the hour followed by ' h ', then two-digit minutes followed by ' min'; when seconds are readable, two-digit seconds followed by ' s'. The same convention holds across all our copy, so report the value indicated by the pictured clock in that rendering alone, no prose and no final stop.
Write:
1 h 31 min 45 s
